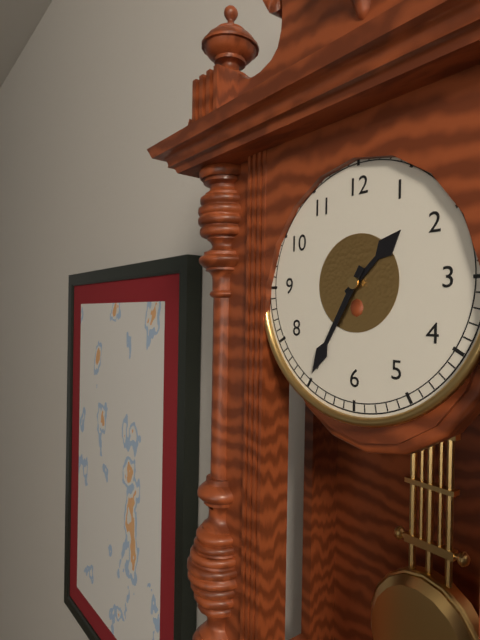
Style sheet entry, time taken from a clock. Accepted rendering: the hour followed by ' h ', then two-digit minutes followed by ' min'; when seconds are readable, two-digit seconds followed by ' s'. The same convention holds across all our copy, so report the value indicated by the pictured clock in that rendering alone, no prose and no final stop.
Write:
1 h 35 min
